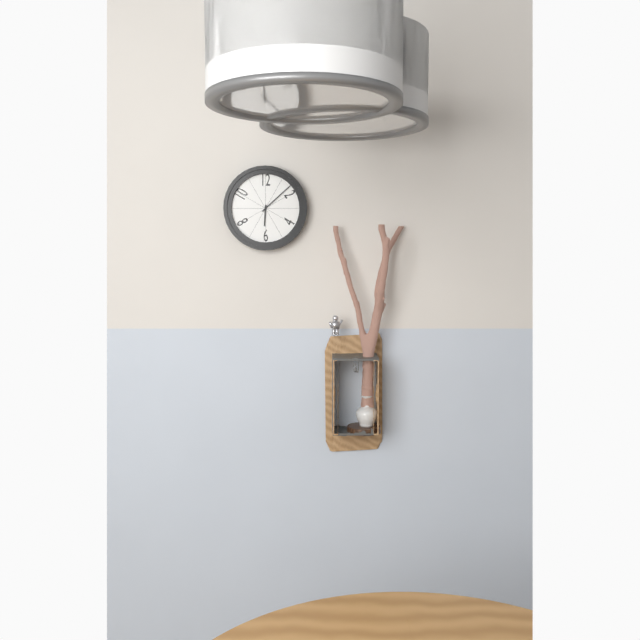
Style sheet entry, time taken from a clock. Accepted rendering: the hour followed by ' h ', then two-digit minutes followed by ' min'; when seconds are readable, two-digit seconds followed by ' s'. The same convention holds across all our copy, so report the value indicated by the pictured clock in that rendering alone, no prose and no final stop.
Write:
6 h 08 min
